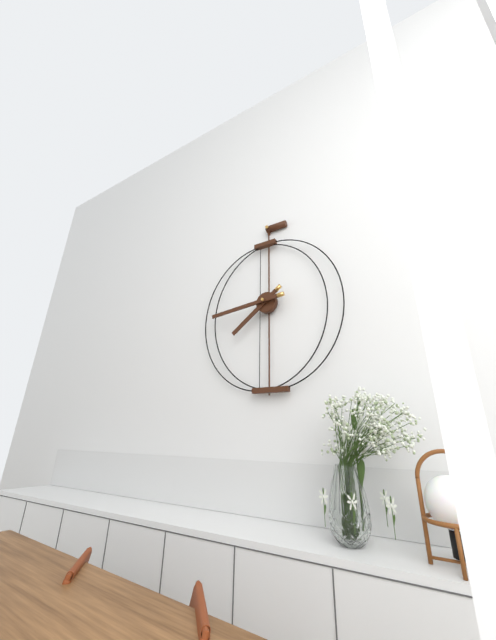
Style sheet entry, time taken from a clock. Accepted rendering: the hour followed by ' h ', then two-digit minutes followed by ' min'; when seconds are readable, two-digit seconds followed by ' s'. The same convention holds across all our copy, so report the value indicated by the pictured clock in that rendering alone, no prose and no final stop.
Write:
7 h 44 min
